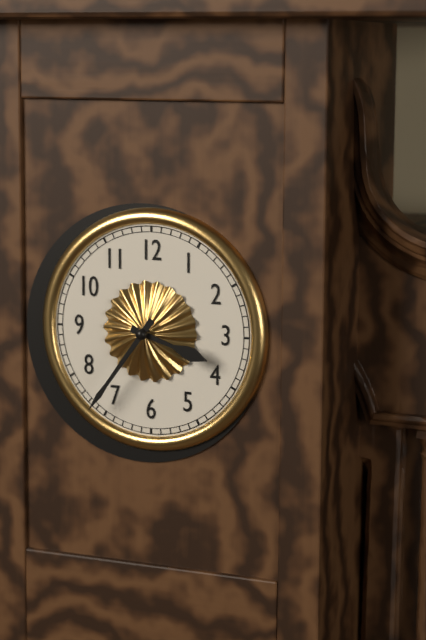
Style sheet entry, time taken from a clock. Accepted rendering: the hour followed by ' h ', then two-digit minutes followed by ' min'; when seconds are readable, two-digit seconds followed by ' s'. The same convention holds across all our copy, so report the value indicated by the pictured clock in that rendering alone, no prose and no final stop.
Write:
3 h 36 min
